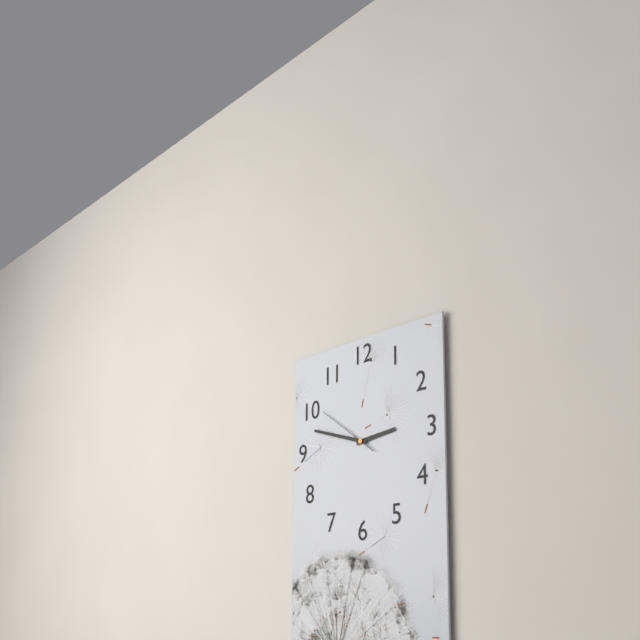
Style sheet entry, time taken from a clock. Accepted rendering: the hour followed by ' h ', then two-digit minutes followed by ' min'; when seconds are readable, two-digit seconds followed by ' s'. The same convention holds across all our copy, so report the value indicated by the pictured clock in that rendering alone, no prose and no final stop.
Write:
2 h 48 min 51 s
